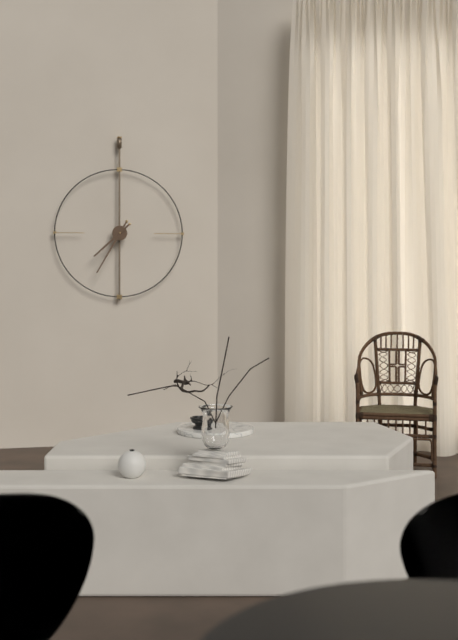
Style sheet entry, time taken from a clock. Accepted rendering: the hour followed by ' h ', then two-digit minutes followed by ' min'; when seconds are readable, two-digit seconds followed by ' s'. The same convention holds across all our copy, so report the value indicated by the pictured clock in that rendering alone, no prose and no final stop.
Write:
7 h 35 min
